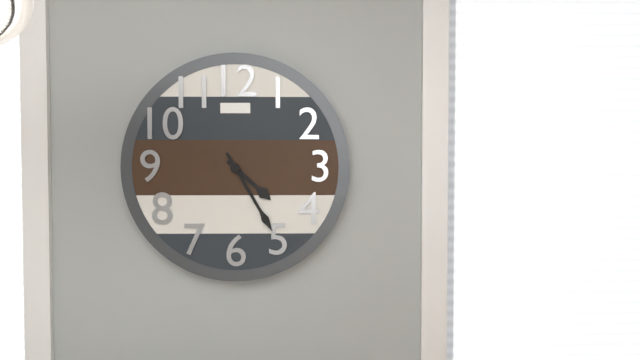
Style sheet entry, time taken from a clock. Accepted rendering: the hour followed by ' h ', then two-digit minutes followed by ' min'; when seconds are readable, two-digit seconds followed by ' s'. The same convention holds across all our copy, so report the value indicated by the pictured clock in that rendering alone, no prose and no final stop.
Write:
4 h 25 min
